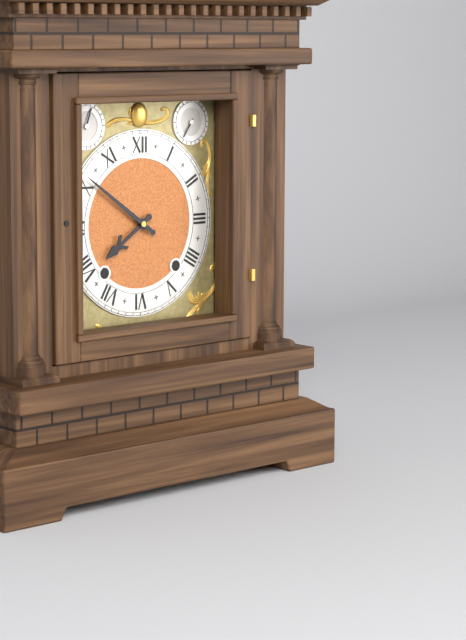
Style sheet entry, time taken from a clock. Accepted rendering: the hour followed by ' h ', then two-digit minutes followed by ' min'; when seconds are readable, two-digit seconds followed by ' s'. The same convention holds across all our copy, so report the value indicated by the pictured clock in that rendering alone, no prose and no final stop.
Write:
7 h 51 min
